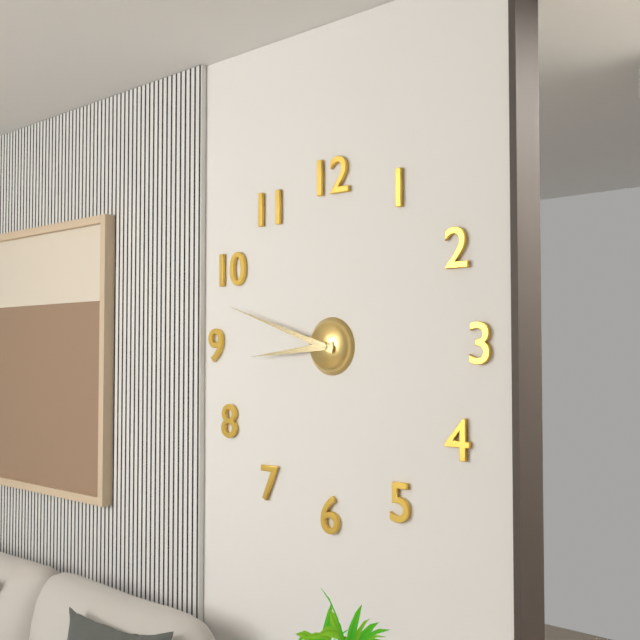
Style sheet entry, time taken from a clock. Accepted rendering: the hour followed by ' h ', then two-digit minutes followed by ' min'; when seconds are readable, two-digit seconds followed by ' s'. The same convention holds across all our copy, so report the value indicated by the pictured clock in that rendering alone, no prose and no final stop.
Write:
8 h 48 min
